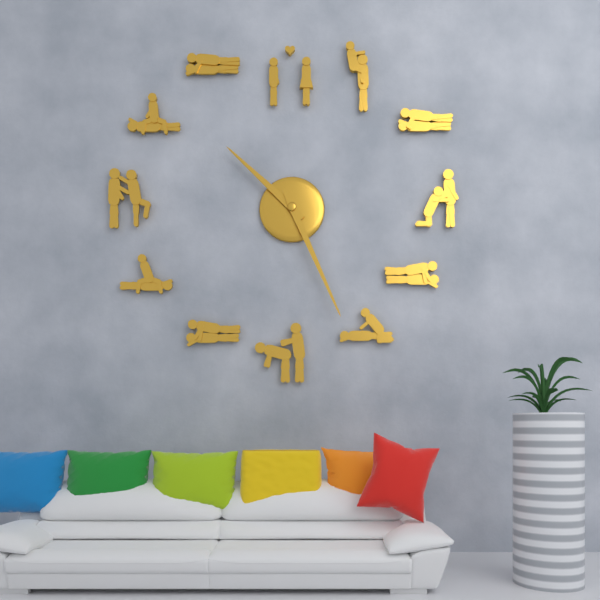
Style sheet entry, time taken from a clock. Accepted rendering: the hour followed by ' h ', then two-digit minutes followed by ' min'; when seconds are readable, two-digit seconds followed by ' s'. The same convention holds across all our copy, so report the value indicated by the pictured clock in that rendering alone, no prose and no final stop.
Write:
10 h 26 min
